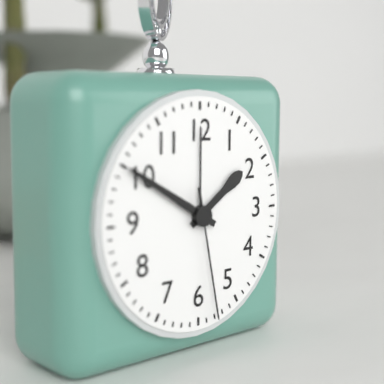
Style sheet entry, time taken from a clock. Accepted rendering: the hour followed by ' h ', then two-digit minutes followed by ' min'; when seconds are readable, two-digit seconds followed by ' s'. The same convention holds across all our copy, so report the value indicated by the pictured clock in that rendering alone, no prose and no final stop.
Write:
1 h 50 min 28 s
